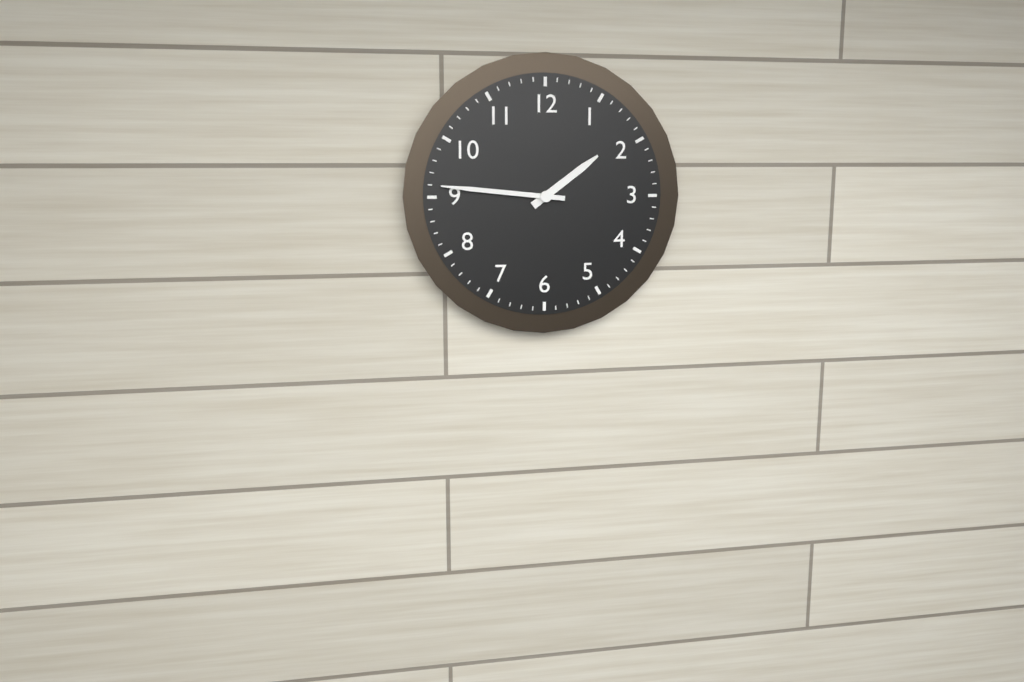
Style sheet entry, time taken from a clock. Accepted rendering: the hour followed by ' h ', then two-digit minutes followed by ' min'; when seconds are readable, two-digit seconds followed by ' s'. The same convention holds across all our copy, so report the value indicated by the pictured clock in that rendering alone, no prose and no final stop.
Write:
1 h 46 min
